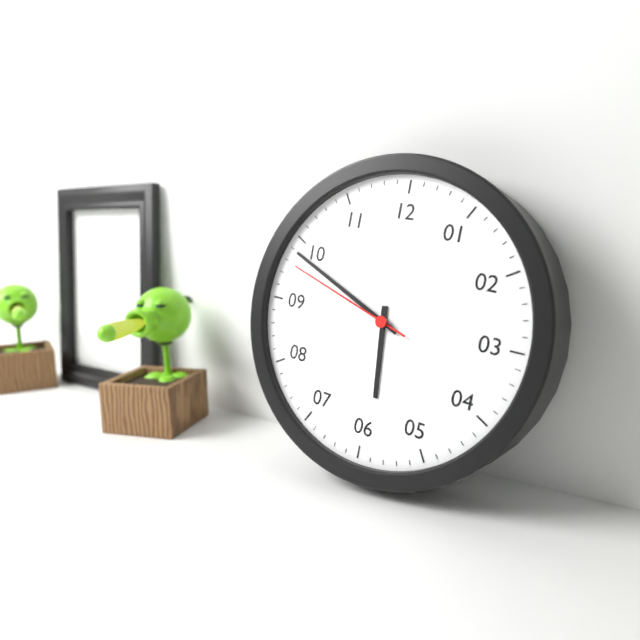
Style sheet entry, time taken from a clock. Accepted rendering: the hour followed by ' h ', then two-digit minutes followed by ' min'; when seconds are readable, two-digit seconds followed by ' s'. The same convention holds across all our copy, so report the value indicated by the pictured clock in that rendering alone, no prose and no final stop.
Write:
5 h 49 min 48 s
